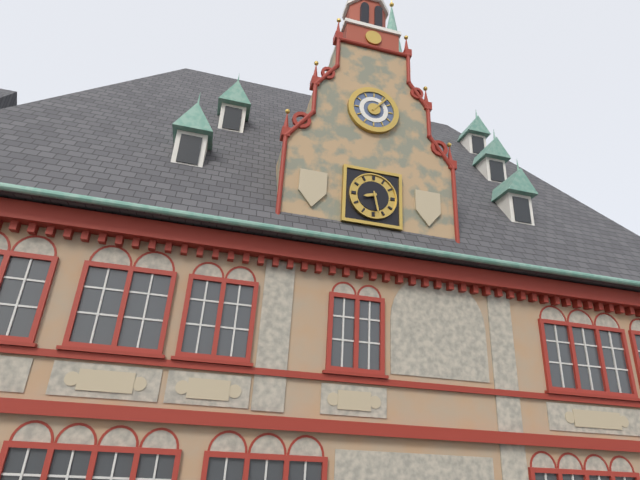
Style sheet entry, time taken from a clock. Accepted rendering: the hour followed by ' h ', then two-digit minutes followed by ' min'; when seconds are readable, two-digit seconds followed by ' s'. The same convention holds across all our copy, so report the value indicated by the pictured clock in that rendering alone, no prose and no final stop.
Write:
8 h 28 min
